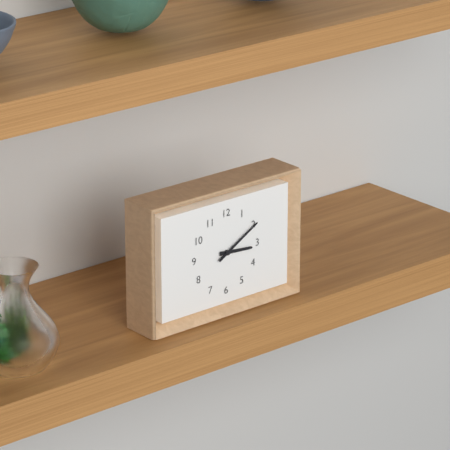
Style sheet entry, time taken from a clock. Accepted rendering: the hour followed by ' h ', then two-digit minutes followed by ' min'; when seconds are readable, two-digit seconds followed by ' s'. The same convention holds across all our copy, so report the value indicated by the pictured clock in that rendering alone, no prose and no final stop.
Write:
3 h 10 min
